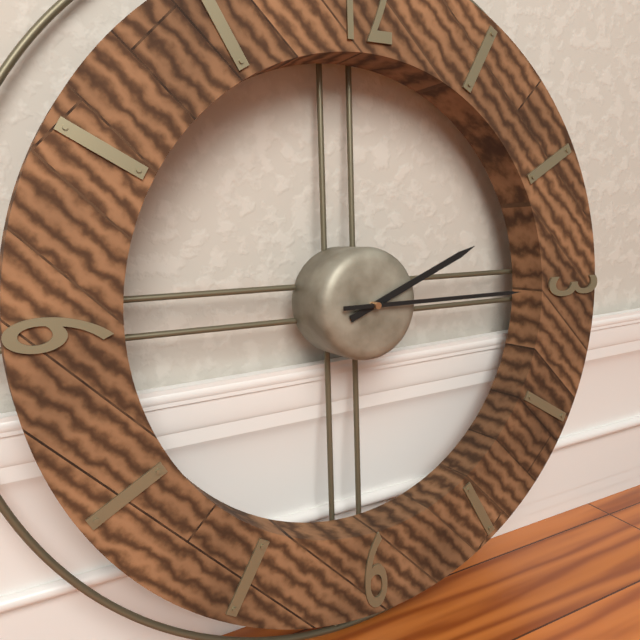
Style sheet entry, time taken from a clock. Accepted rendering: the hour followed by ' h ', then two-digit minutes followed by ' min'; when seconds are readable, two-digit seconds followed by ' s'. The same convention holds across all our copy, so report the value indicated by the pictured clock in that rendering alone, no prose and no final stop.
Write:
2 h 15 min
